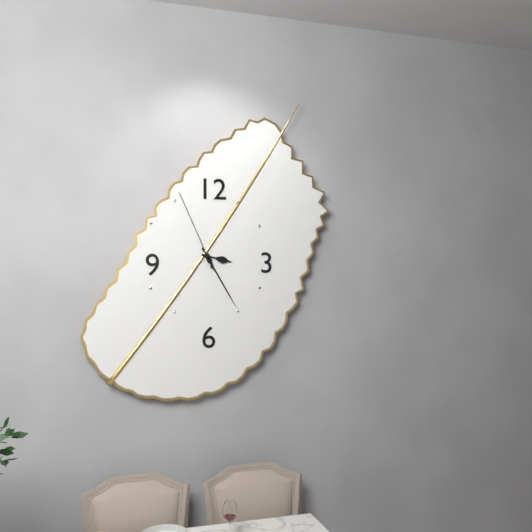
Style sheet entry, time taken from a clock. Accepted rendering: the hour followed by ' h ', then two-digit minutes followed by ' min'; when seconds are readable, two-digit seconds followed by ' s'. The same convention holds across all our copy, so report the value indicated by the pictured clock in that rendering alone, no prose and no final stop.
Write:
3 h 25 min 56 s
